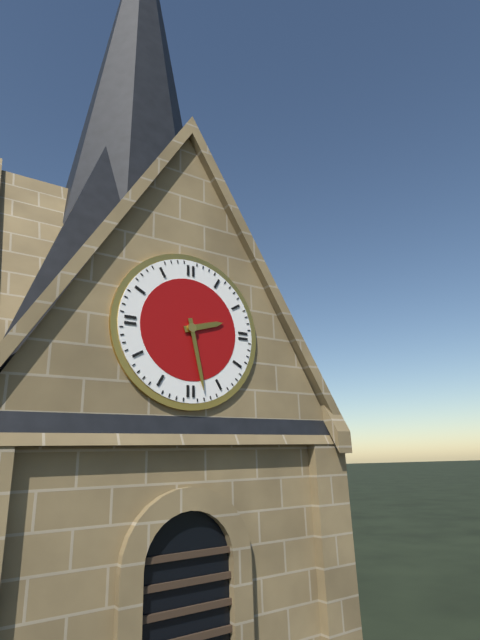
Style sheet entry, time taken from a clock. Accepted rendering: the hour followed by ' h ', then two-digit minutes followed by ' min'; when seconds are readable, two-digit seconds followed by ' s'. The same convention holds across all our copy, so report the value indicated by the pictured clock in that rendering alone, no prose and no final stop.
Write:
2 h 28 min
